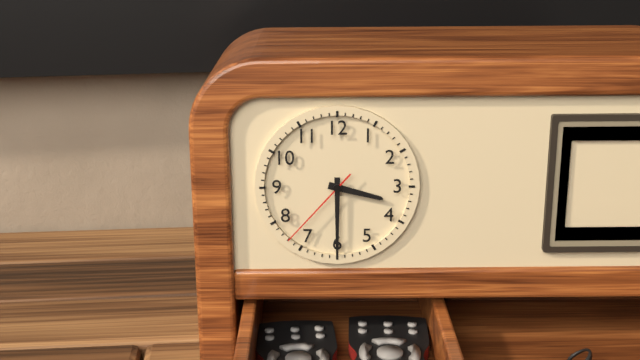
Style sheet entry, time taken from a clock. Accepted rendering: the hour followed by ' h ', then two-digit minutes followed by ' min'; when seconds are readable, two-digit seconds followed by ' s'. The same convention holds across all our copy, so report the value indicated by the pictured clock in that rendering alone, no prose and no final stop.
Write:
3 h 30 min 37 s
